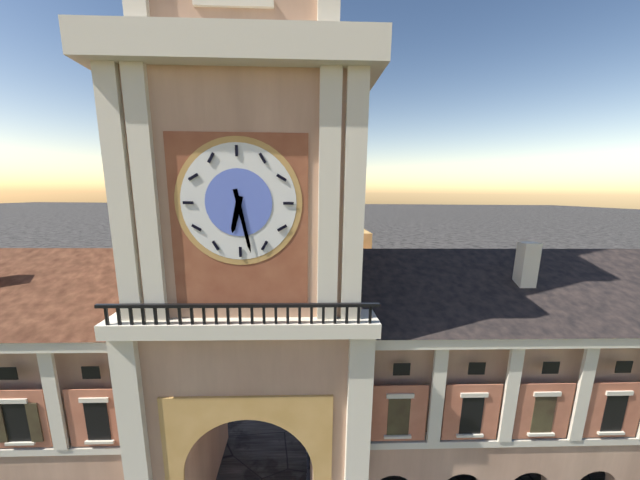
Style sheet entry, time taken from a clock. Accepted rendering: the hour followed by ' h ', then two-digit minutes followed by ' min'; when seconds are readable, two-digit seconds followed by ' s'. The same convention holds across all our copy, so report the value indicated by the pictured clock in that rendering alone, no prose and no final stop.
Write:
6 h 28 min
